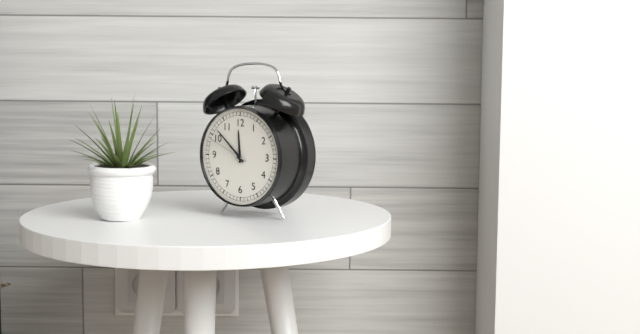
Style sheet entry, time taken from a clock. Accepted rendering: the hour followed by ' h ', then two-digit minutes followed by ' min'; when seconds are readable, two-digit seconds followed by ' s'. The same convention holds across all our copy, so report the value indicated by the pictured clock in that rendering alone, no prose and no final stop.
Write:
11 h 52 min
